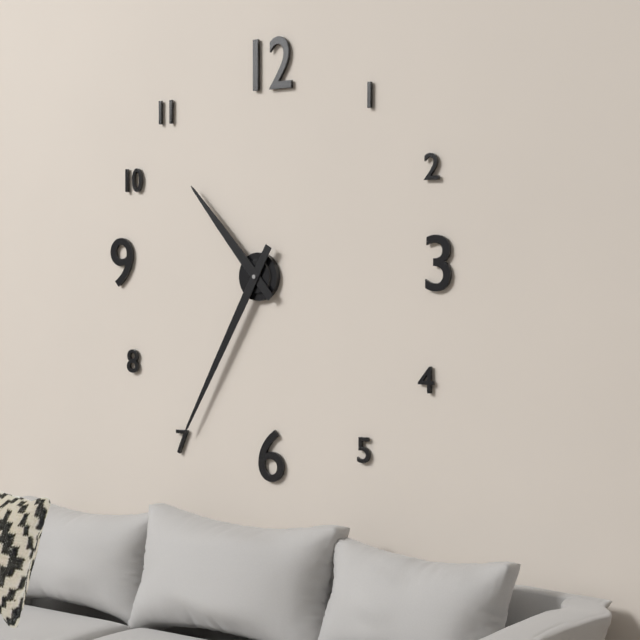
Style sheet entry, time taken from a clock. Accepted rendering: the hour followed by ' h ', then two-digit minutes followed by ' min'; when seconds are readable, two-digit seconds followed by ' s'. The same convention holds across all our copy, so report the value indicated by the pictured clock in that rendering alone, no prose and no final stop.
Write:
10 h 35 min
